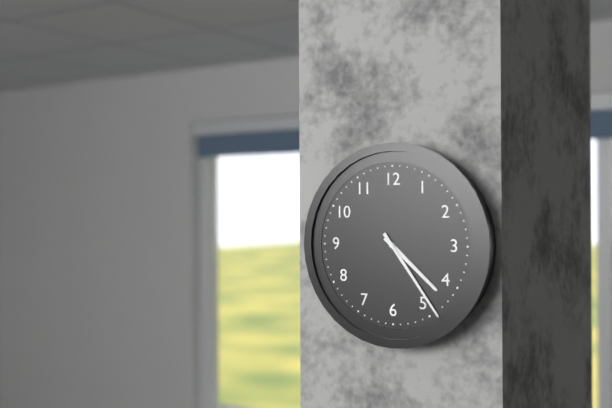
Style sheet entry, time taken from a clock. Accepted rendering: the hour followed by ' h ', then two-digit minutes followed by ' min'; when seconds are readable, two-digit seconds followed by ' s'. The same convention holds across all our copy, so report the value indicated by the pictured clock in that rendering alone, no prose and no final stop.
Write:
4 h 24 min
